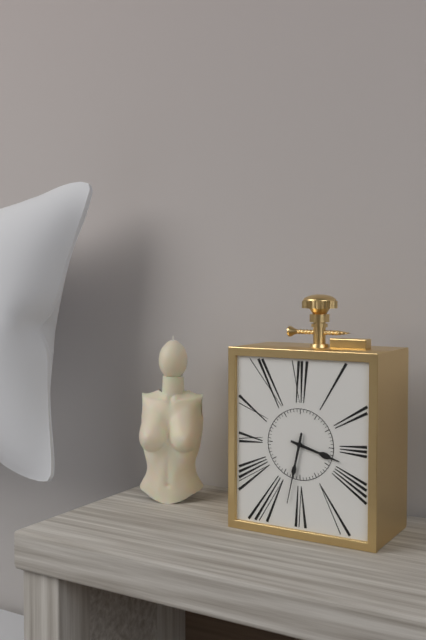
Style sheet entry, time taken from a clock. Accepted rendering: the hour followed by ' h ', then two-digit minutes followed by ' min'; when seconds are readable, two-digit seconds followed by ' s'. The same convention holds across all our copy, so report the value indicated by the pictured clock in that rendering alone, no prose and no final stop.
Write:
3 h 32 min
